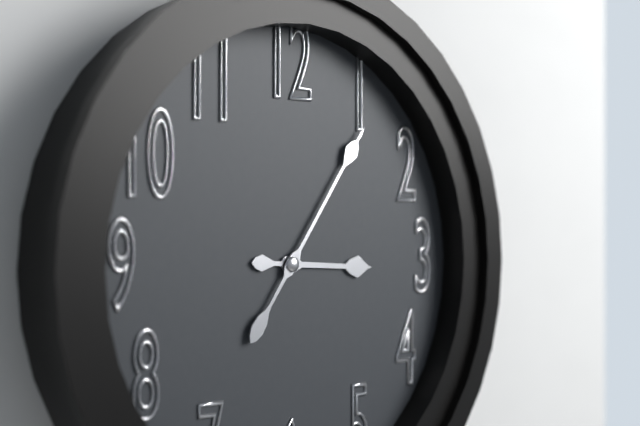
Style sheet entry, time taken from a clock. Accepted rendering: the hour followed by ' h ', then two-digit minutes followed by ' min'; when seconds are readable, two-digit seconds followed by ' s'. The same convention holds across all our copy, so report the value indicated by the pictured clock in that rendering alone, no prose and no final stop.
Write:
3 h 06 min
